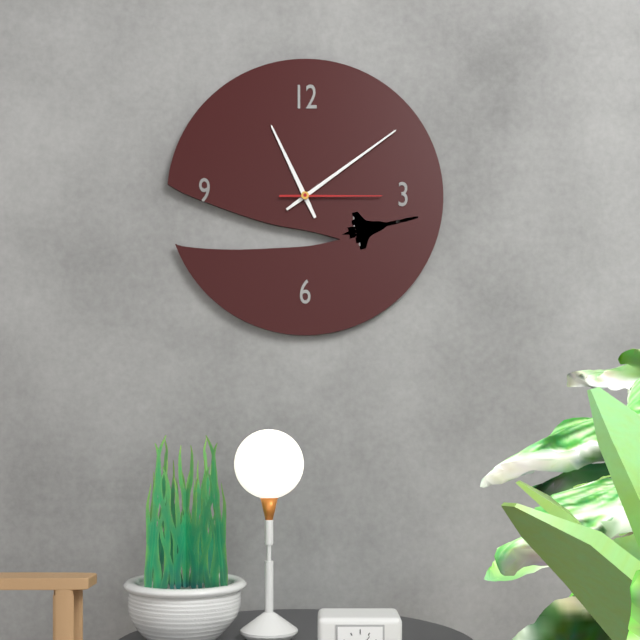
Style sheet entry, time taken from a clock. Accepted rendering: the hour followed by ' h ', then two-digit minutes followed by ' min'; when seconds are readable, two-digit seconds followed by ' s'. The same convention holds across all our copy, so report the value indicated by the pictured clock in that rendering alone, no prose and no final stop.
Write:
11 h 09 min 15 s
